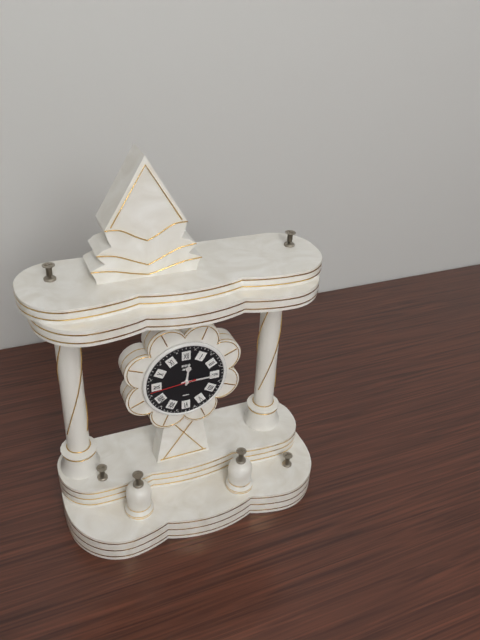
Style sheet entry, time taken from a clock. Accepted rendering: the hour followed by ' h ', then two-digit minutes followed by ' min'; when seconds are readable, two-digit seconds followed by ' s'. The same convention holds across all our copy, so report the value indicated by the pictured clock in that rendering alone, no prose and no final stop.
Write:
12 h 15 min
